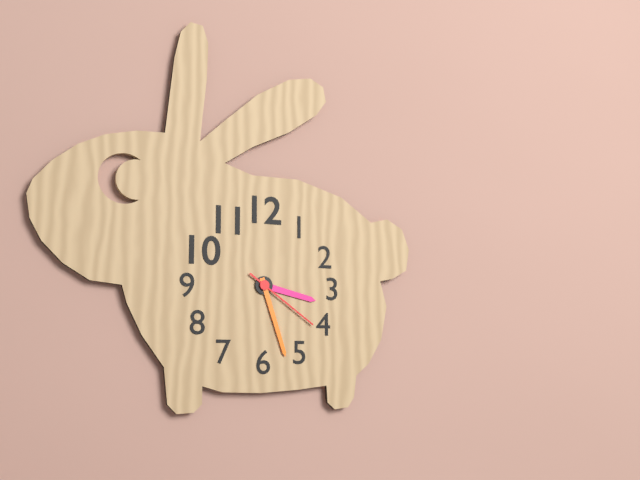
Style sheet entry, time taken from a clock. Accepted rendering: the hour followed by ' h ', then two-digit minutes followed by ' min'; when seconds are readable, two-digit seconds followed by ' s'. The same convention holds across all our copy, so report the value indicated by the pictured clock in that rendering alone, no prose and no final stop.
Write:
3 h 27 min 21 s
